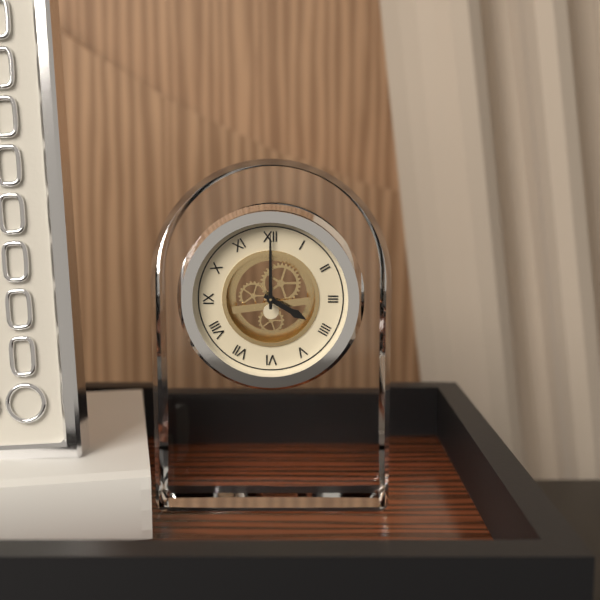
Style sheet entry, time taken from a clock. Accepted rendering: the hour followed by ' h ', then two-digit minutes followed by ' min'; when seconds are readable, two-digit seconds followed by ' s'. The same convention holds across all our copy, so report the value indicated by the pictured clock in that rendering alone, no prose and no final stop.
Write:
4 h 00 min
